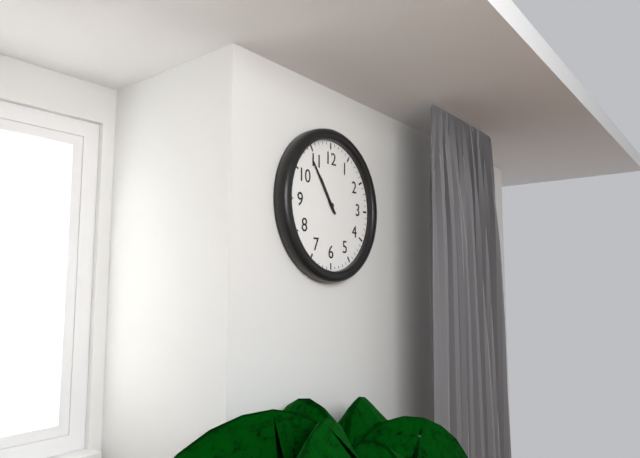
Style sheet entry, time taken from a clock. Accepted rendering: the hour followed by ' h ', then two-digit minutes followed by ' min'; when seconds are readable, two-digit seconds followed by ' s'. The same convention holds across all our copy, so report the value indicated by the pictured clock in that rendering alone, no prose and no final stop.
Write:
10 h 54 min
